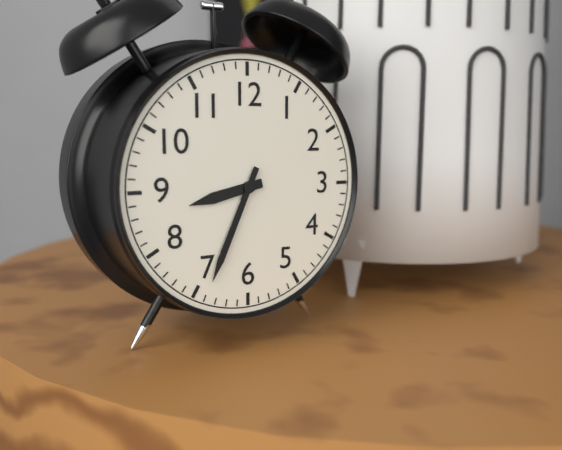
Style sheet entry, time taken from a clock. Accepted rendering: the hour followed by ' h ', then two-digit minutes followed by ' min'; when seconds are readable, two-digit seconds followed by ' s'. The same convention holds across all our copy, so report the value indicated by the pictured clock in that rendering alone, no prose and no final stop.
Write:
8 h 34 min
